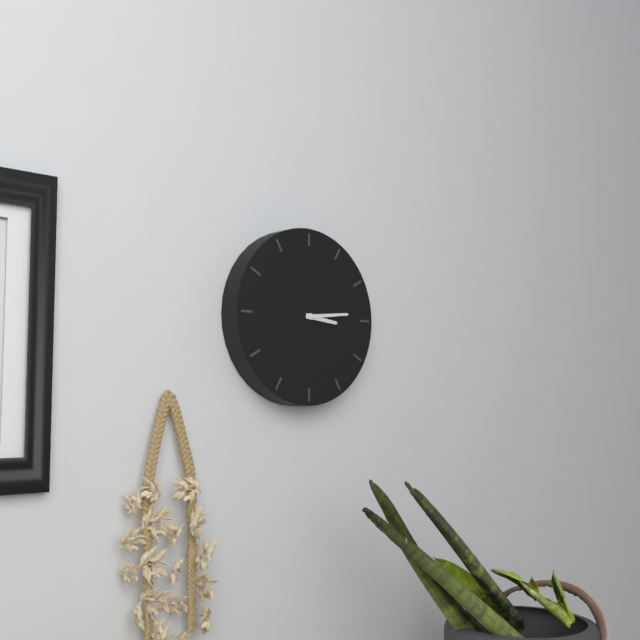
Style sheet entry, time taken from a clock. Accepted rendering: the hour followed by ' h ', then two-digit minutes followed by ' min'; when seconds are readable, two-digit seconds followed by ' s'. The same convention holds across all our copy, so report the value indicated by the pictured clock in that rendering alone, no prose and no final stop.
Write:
3 h 14 min
